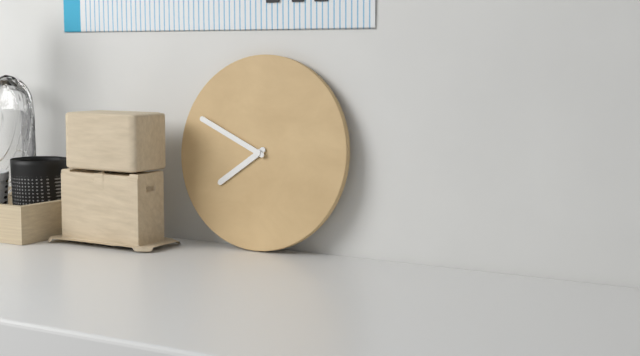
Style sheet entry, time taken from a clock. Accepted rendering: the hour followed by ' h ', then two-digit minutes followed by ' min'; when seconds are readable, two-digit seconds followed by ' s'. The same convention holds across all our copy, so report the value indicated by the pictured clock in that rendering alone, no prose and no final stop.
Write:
7 h 49 min
